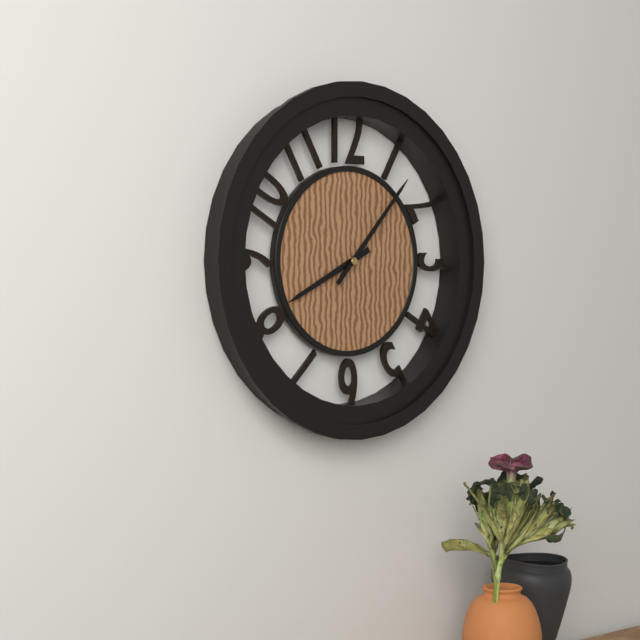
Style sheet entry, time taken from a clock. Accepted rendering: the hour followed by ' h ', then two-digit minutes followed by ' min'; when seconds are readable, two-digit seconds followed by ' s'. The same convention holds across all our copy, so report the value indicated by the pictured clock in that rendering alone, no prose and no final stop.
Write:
8 h 07 min
